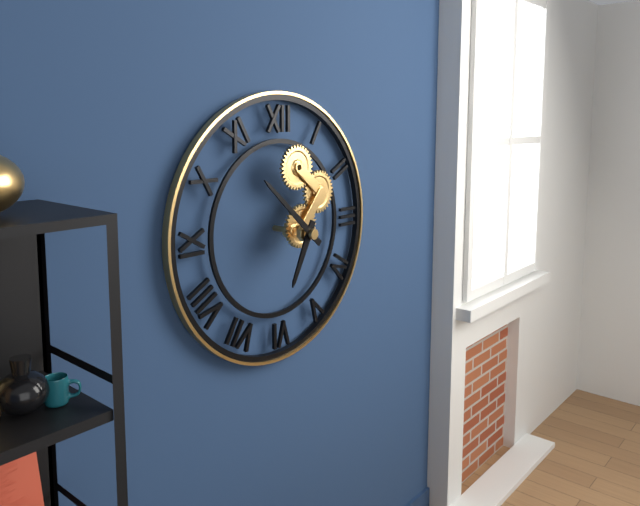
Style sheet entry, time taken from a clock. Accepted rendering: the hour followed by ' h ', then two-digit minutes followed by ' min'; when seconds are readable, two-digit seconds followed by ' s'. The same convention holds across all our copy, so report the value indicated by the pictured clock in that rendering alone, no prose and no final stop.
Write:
6 h 52 min
